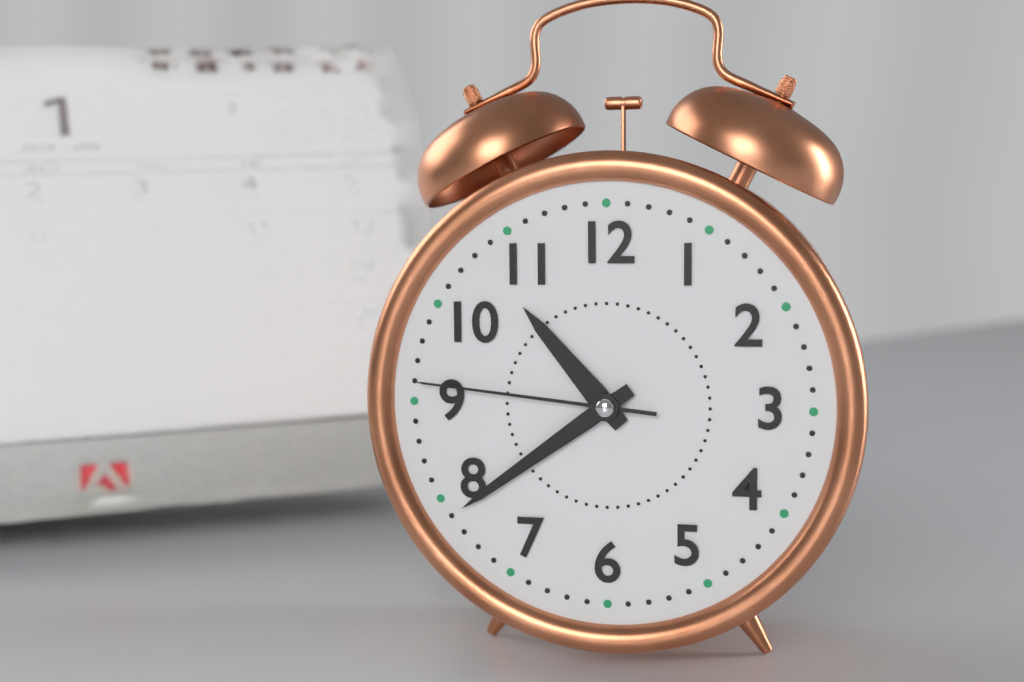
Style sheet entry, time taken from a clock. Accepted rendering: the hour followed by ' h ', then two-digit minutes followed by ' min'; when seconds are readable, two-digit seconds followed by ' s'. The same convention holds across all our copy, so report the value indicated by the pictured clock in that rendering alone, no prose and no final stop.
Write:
10 h 39 min 46 s
